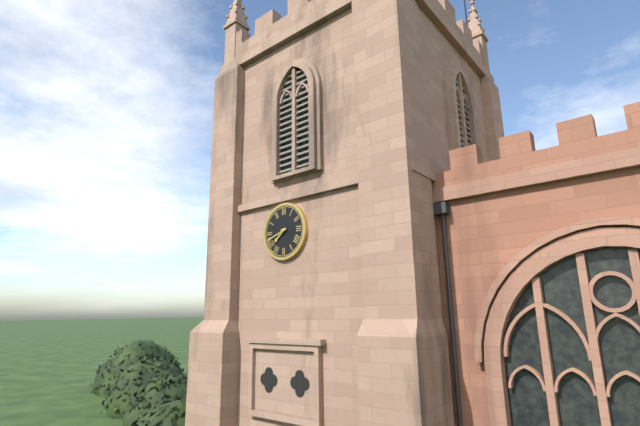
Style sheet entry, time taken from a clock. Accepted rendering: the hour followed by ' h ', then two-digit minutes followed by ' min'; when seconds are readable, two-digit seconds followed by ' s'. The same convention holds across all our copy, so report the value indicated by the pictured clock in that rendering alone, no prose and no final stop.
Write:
7 h 42 min
